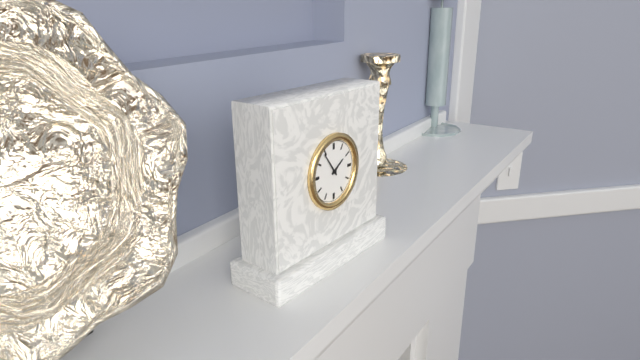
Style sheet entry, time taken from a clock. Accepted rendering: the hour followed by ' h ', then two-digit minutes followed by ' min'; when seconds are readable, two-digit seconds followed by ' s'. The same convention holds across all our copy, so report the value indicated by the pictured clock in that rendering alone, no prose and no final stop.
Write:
1 h 54 min
